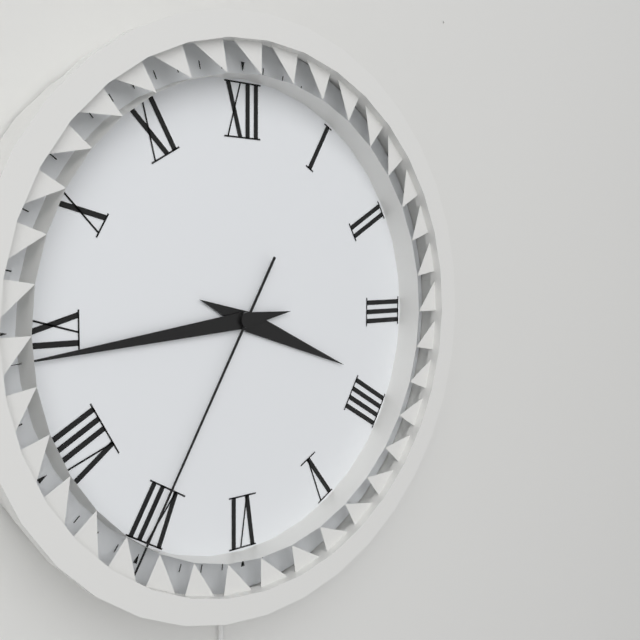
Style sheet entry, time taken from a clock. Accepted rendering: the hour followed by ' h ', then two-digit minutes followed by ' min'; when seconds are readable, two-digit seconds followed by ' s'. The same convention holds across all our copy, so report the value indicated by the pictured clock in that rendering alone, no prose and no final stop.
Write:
3 h 44 min 35 s
